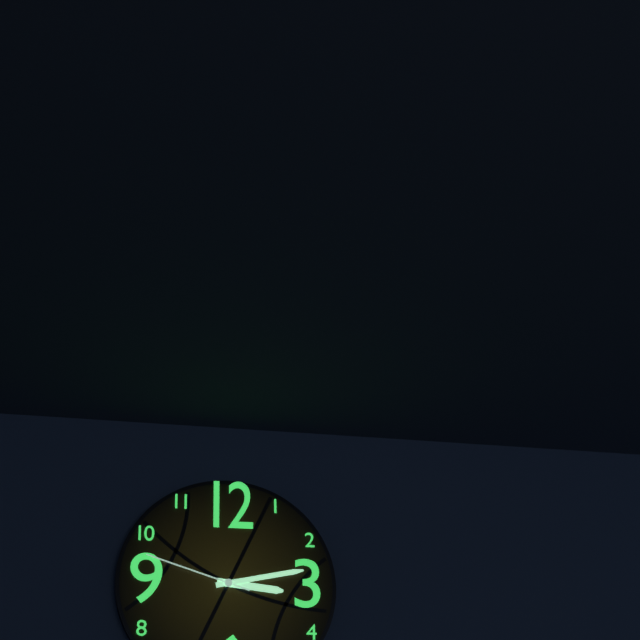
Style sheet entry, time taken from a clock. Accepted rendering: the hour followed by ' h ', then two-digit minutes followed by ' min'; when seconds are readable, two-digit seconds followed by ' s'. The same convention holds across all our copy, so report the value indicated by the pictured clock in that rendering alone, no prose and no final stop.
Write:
3 h 13 min 48 s
